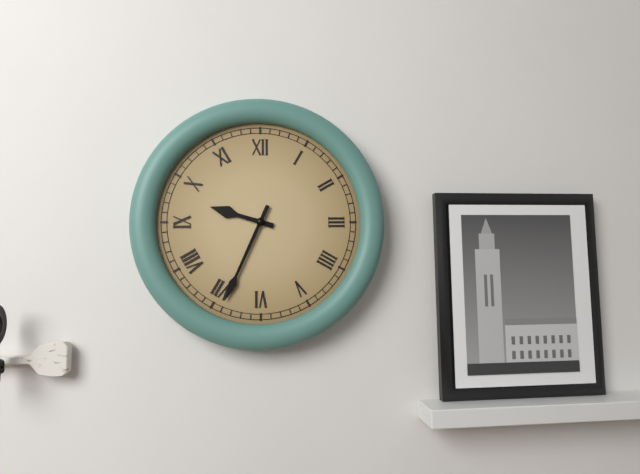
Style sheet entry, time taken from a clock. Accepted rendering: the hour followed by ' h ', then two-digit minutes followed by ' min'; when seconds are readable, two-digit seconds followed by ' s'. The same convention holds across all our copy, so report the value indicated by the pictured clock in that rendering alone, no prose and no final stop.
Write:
9 h 34 min
